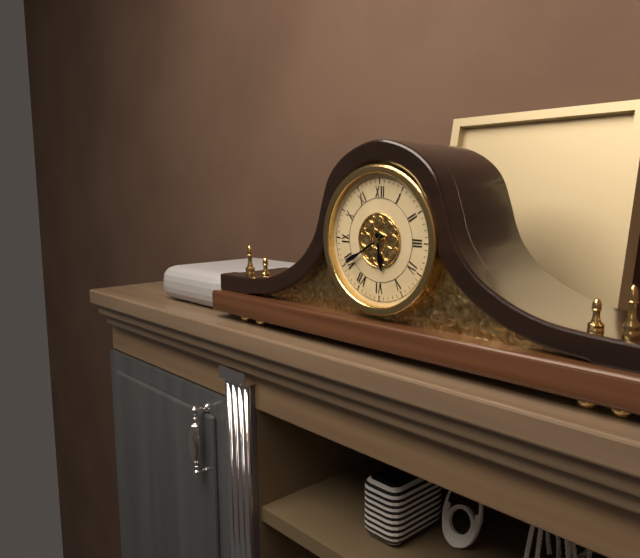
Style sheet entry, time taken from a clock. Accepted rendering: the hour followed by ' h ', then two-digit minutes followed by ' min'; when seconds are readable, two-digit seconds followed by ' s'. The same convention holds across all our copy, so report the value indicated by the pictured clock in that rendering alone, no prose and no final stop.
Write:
5 h 40 min
